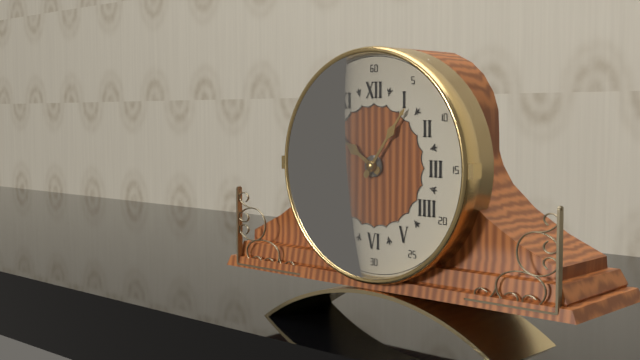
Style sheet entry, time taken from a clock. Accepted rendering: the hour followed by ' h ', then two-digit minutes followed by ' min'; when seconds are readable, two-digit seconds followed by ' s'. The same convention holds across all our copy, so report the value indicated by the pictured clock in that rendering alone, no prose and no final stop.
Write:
10 h 06 min
